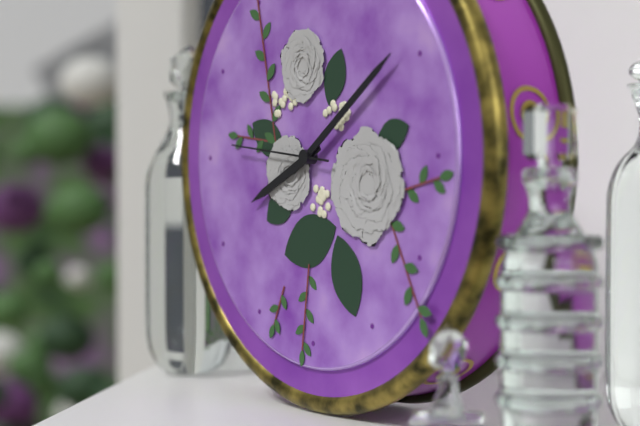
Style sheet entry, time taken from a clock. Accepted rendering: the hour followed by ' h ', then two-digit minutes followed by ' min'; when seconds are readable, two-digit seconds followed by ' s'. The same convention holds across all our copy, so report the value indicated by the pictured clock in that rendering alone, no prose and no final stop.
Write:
8 h 09 min 46 s
